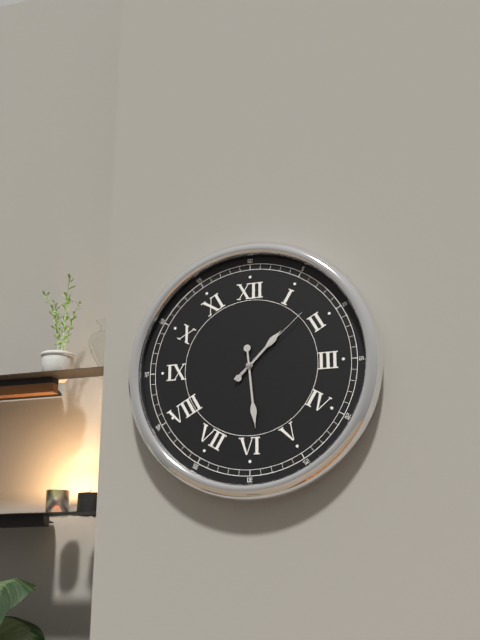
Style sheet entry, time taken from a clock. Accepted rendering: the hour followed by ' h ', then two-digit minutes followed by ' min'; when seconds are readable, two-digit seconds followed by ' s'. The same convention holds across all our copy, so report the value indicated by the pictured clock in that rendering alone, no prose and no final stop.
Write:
1 h 29 min 08 s
